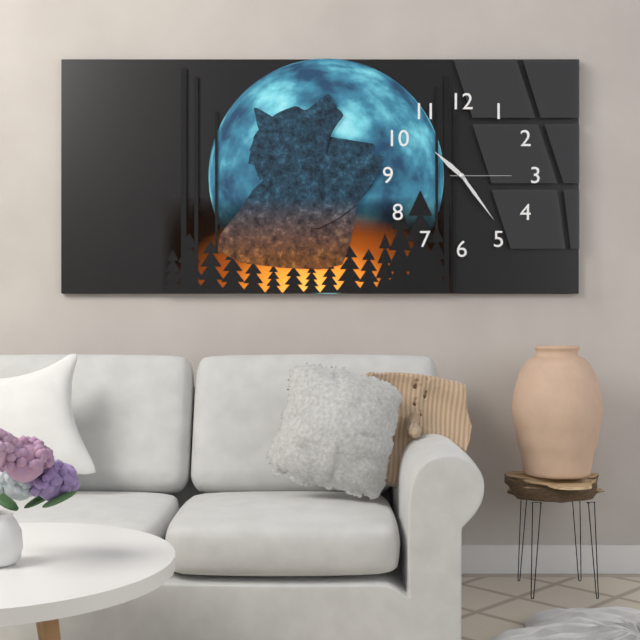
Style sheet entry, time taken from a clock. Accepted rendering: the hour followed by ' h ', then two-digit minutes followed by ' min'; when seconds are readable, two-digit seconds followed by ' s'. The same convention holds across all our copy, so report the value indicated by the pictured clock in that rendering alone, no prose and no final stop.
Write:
10 h 24 min 15 s
